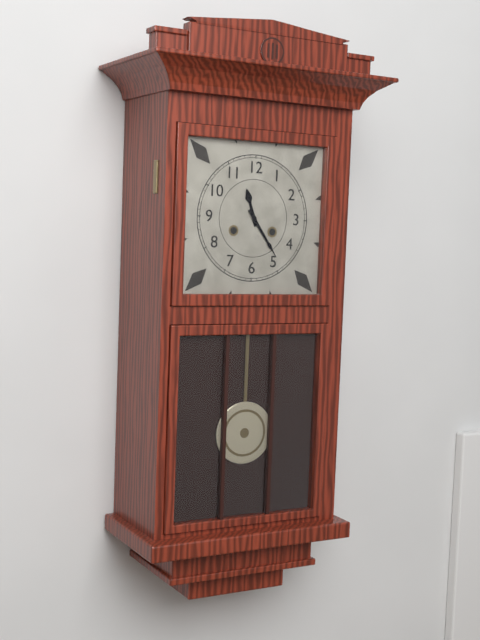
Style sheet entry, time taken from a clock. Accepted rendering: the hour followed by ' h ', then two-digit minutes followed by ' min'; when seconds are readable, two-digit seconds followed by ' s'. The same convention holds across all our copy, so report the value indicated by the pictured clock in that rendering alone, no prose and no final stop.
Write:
11 h 24 min
